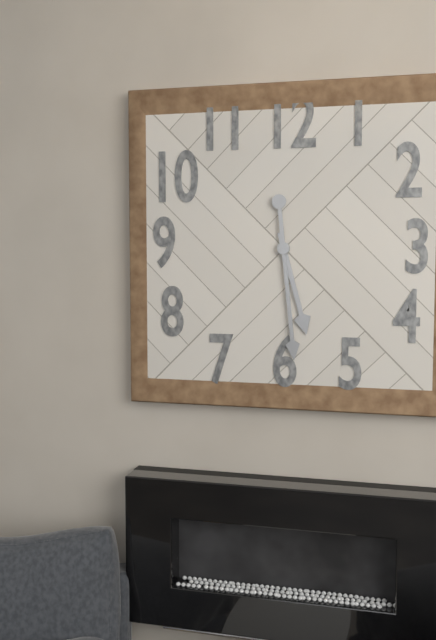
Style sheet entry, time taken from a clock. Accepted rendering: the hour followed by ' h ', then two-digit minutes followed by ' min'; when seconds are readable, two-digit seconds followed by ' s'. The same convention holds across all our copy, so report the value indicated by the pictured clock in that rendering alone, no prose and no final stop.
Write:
5 h 29 min
